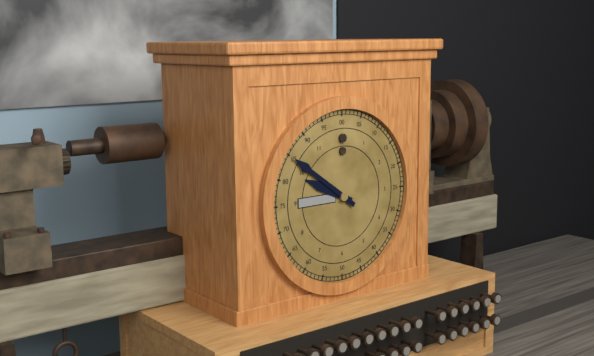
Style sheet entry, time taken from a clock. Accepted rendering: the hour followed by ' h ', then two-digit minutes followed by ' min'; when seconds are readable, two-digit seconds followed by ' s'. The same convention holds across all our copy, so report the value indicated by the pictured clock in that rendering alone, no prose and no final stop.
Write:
9 h 51 min
